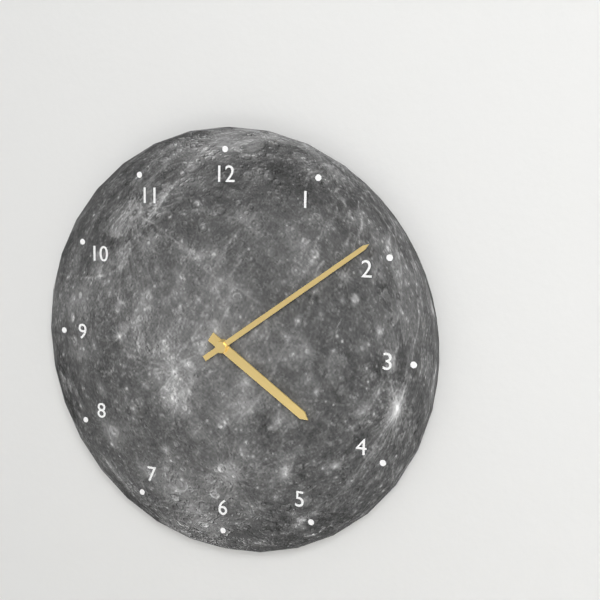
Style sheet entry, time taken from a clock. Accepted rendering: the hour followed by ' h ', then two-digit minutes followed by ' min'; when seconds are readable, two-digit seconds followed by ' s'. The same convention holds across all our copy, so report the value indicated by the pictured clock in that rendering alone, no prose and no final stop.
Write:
4 h 09 min
